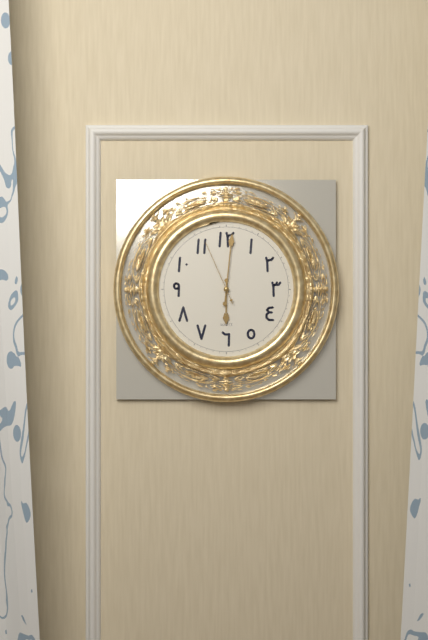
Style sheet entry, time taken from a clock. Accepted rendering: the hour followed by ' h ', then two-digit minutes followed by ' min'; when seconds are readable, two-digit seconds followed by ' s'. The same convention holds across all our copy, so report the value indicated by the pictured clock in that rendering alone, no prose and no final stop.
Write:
6 h 01 min 56 s
